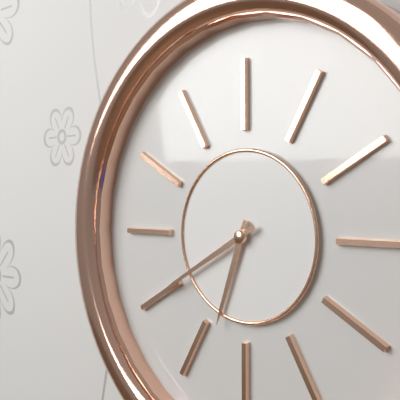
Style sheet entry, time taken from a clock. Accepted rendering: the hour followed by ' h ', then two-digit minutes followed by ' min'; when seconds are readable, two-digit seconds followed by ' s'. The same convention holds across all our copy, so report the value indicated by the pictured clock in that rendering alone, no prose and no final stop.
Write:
6 h 40 min
